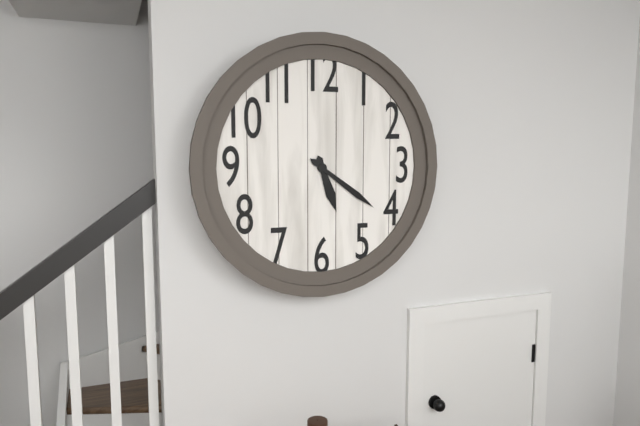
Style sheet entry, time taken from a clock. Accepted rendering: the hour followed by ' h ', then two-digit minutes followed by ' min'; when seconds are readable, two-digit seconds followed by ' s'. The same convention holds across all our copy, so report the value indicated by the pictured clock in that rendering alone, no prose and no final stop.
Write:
5 h 21 min
